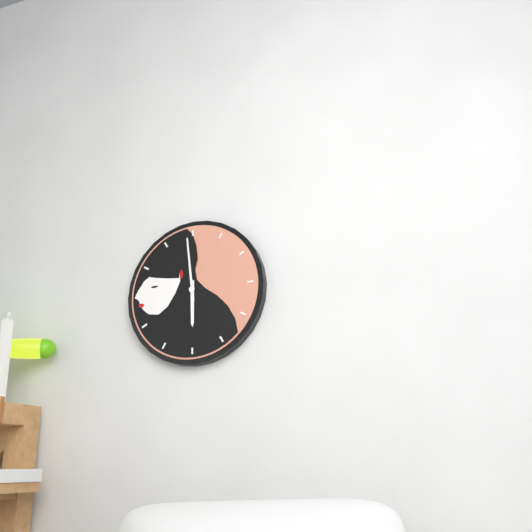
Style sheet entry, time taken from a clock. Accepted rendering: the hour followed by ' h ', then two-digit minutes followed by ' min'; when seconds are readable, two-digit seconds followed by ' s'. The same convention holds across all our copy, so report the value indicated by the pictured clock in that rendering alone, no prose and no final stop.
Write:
5 h 59 min
